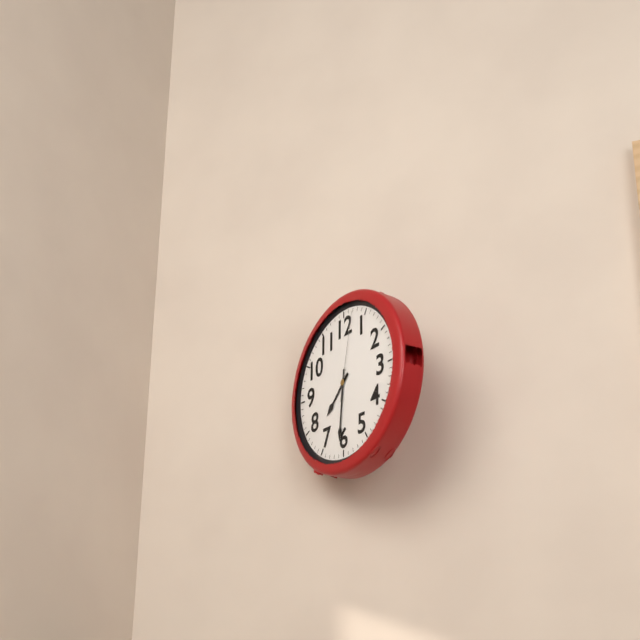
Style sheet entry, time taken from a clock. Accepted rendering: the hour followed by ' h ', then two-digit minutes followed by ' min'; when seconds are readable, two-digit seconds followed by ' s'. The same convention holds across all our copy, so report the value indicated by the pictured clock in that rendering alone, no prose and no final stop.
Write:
7 h 31 min 02 s
